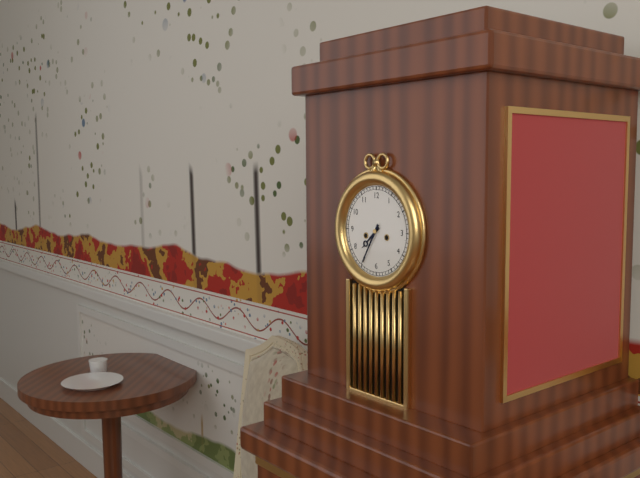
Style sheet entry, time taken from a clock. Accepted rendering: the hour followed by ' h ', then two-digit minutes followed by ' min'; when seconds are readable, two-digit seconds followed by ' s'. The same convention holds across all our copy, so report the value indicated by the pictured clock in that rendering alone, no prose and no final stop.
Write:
7 h 35 min
